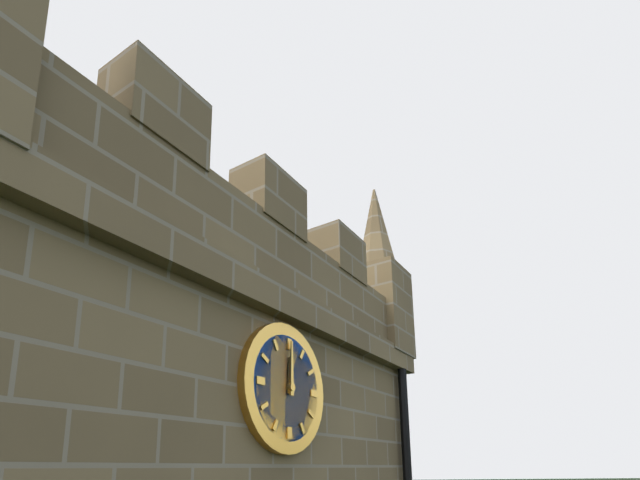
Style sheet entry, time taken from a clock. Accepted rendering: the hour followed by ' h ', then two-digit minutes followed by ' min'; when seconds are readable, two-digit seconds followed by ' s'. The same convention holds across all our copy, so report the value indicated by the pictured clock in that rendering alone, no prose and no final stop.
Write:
12 h 00 min
